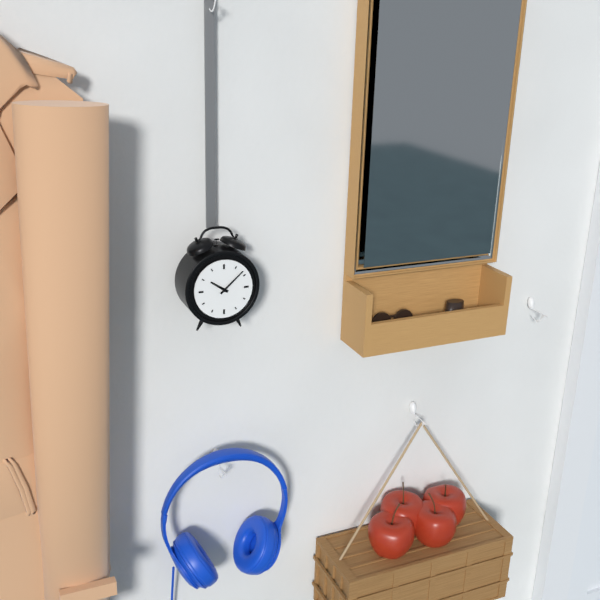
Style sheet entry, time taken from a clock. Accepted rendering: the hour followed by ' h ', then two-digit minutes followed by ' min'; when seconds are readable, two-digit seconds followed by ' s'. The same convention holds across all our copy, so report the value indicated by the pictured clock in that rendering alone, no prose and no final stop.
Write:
10 h 08 min
